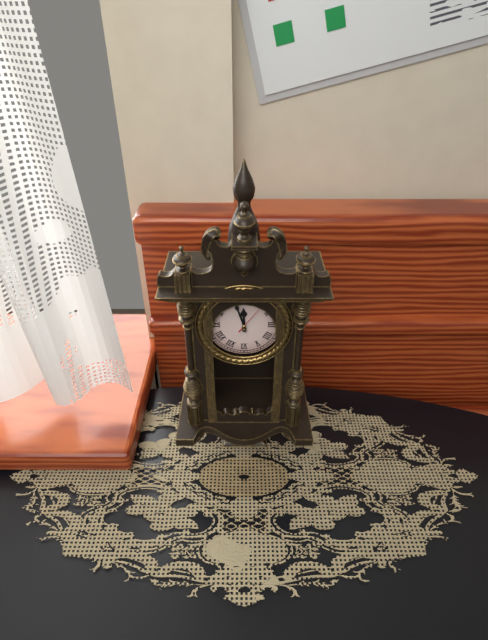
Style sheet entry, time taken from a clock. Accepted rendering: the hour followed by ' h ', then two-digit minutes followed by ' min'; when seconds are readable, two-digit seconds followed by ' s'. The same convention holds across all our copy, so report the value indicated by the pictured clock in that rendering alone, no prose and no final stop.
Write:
11 h 57 min
